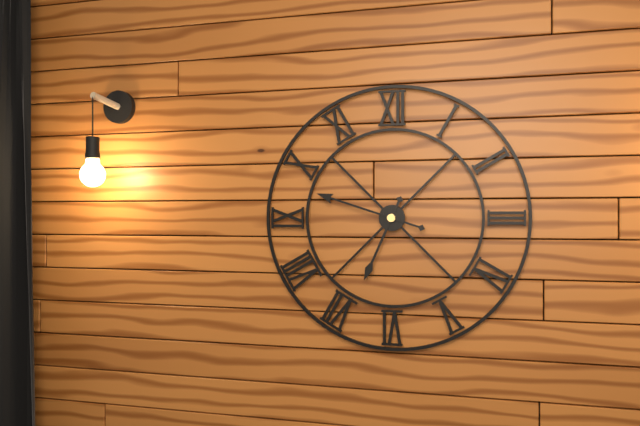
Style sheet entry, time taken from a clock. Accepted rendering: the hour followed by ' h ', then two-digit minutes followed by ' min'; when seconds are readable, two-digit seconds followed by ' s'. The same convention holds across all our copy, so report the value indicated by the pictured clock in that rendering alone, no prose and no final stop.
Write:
6 h 48 min
